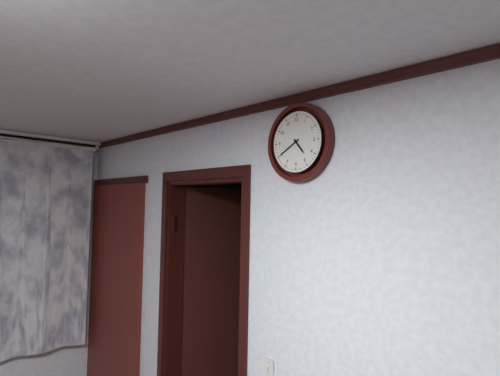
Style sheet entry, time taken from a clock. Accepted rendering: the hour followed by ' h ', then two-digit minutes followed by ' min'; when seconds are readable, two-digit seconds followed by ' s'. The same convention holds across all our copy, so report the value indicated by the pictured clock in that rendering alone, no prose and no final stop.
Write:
4 h 40 min
